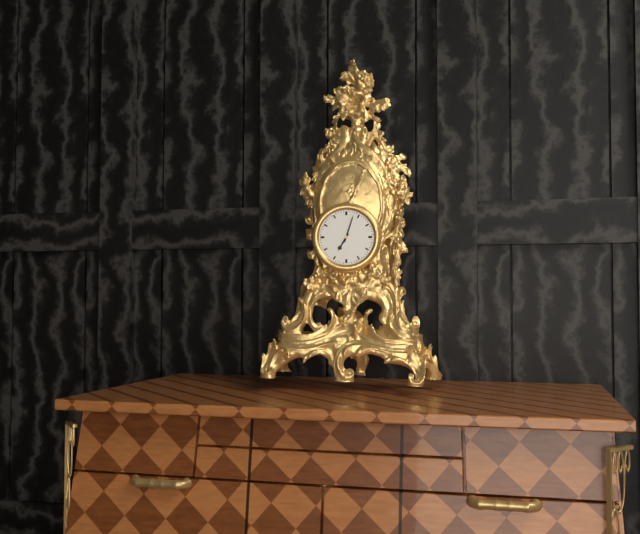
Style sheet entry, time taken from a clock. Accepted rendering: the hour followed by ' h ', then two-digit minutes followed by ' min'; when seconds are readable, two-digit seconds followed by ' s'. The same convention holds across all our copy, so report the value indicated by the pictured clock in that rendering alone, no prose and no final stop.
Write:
7 h 03 min
